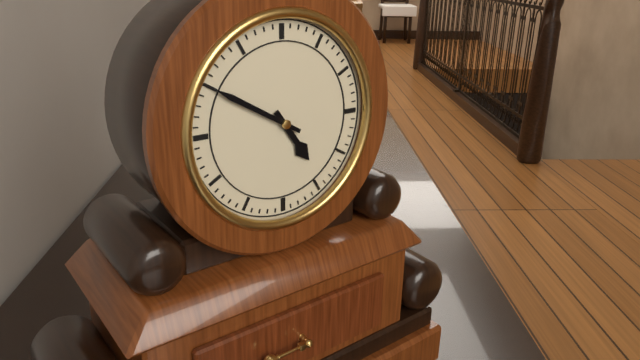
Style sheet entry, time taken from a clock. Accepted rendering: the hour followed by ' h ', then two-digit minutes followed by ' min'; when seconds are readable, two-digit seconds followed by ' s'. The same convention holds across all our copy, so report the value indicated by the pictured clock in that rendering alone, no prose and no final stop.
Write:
4 h 50 min
